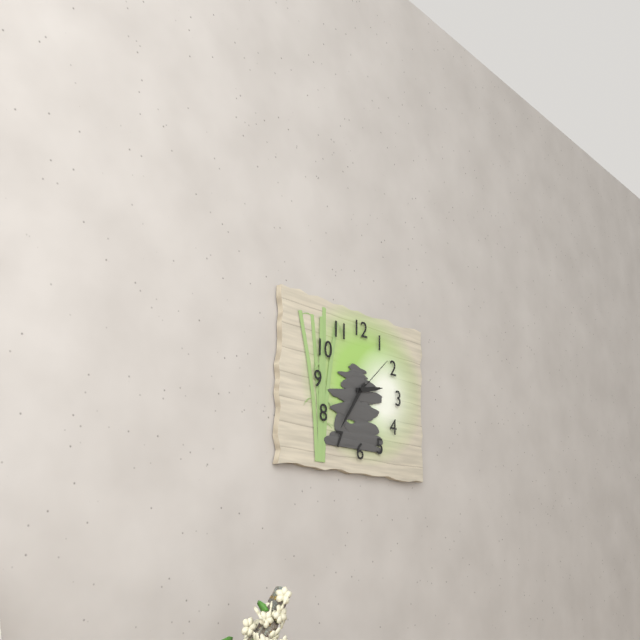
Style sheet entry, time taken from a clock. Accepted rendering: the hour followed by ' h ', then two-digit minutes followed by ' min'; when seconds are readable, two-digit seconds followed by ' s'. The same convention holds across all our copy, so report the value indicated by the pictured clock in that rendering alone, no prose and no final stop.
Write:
2 h 36 min
